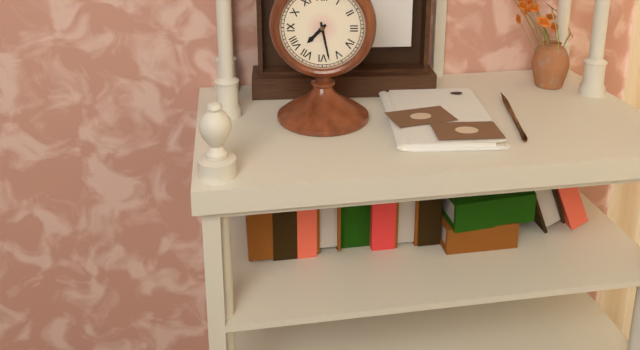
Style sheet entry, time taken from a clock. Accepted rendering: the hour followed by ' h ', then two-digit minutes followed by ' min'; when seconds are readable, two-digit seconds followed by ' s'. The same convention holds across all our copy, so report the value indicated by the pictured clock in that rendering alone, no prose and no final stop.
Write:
7 h 28 min
